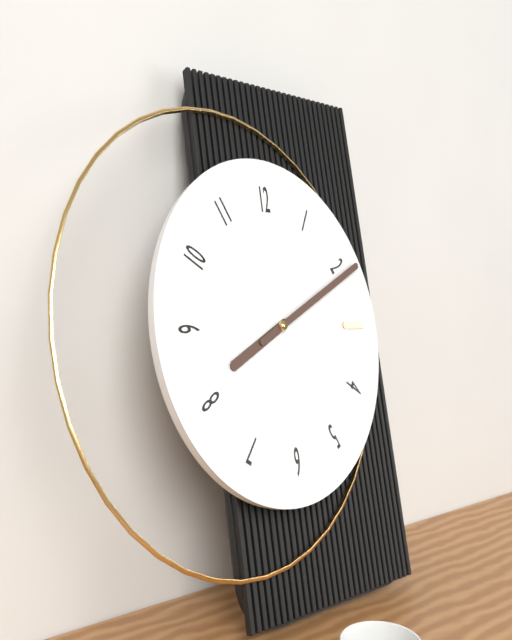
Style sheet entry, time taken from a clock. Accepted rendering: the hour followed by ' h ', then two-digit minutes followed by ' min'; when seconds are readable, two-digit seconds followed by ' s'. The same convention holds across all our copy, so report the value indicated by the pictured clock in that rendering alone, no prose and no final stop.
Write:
8 h 11 min
